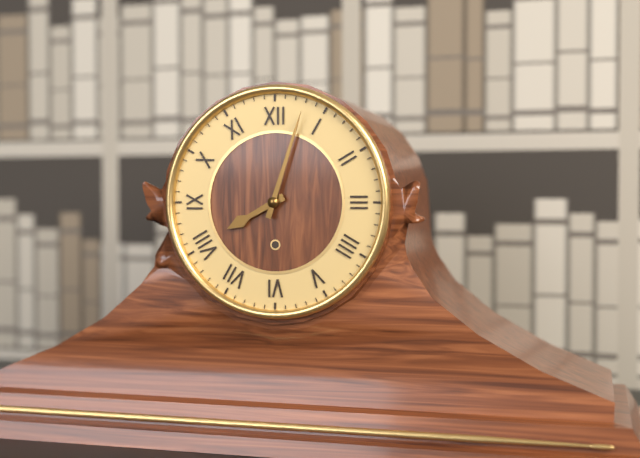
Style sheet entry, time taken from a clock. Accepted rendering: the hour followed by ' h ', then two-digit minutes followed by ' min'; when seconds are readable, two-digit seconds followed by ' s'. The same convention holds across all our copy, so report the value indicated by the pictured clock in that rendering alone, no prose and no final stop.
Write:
8 h 03 min
